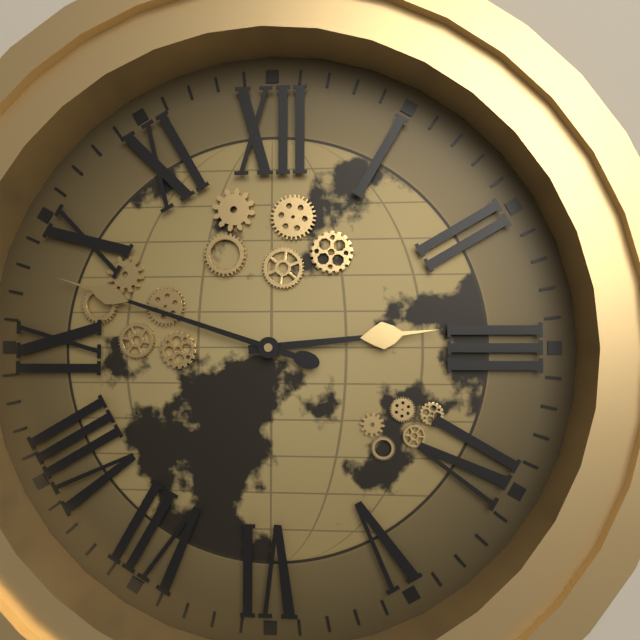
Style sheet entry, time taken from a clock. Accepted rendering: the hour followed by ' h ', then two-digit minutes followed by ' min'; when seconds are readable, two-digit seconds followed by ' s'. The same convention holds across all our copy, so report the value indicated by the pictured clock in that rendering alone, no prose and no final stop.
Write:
2 h 48 min
